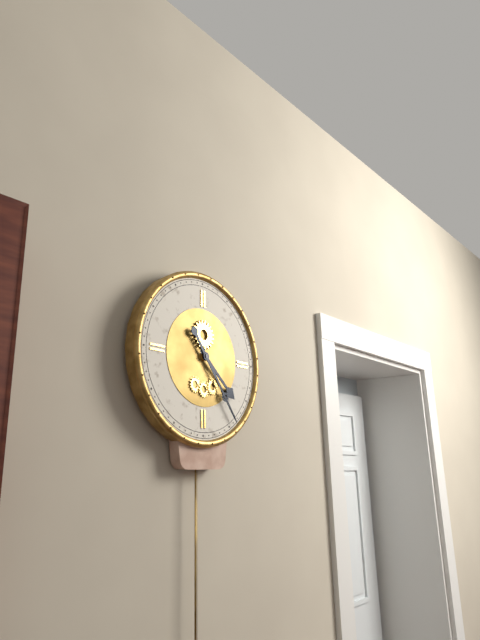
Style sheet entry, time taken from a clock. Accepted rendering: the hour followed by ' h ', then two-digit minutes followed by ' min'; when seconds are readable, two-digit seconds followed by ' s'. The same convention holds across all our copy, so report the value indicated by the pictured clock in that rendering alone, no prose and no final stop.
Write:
4 h 24 min
